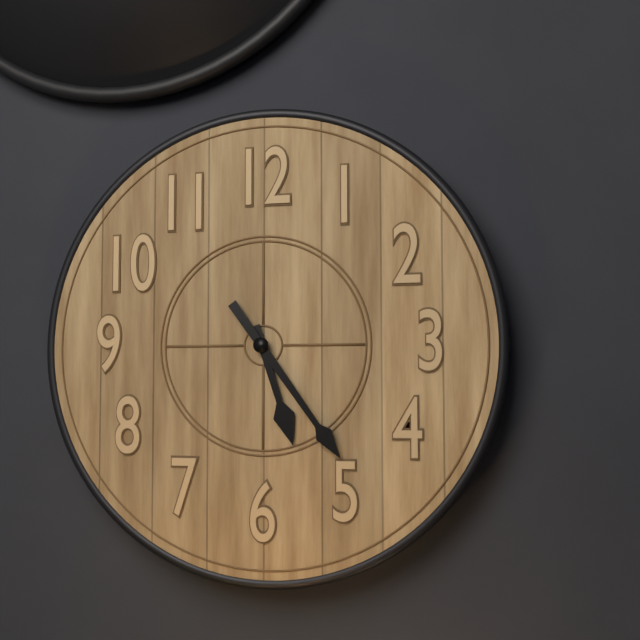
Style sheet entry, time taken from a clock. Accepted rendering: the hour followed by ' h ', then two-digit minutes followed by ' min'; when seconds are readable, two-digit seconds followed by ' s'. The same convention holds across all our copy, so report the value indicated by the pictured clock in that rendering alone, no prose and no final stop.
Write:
5 h 24 min
